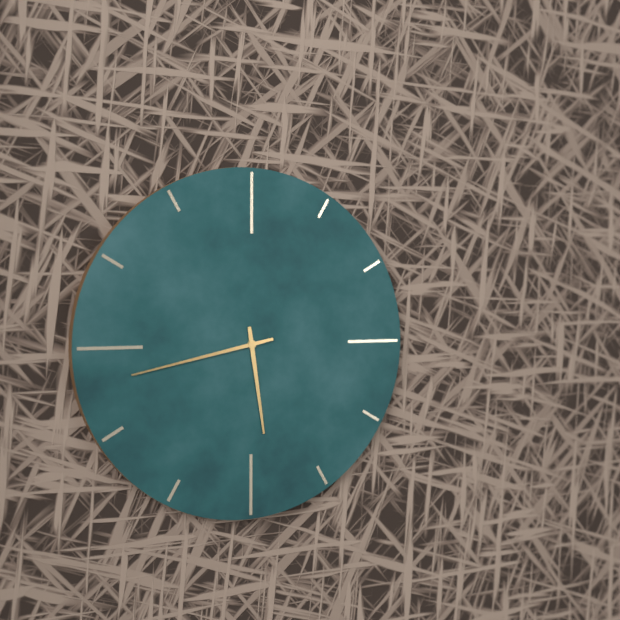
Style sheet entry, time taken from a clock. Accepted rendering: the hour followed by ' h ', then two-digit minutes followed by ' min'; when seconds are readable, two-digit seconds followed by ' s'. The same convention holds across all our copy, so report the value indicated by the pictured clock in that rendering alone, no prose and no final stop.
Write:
5 h 43 min
